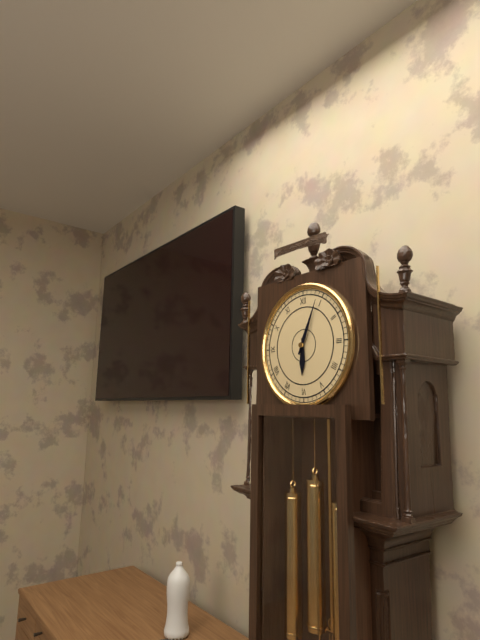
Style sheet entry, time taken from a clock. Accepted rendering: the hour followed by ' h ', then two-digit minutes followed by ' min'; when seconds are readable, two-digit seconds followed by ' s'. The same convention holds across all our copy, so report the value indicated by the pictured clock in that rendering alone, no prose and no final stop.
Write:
6 h 04 min
